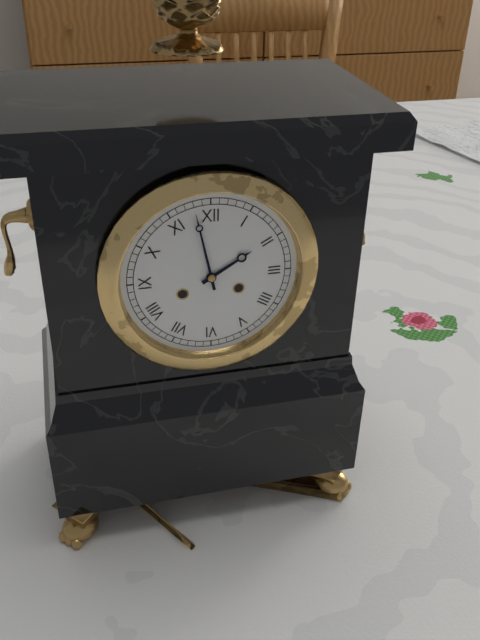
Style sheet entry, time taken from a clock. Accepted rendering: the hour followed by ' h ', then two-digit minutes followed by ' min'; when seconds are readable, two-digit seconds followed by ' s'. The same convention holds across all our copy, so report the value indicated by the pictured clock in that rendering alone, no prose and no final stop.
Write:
1 h 58 min
